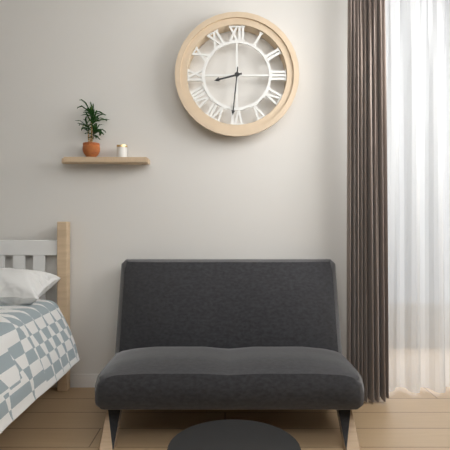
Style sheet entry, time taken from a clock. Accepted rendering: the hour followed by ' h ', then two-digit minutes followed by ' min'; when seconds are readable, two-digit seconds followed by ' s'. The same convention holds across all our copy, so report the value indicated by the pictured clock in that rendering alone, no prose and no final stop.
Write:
8 h 31 min
